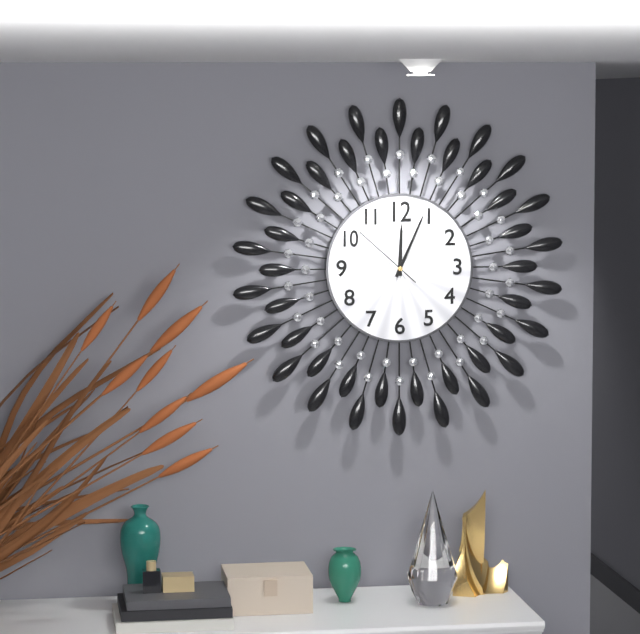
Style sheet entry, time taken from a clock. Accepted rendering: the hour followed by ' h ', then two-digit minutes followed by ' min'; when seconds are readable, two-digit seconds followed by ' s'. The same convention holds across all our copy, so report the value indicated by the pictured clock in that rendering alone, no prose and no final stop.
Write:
12 h 04 min 52 s
